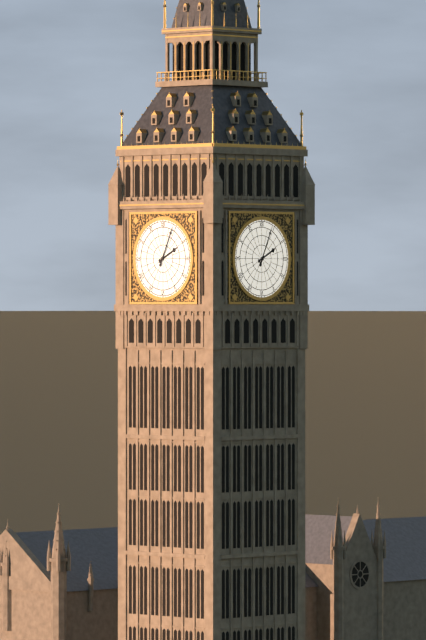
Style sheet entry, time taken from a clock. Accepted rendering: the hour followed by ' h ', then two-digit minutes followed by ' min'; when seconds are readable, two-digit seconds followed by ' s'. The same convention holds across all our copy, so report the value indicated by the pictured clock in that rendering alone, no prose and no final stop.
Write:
2 h 04 min
